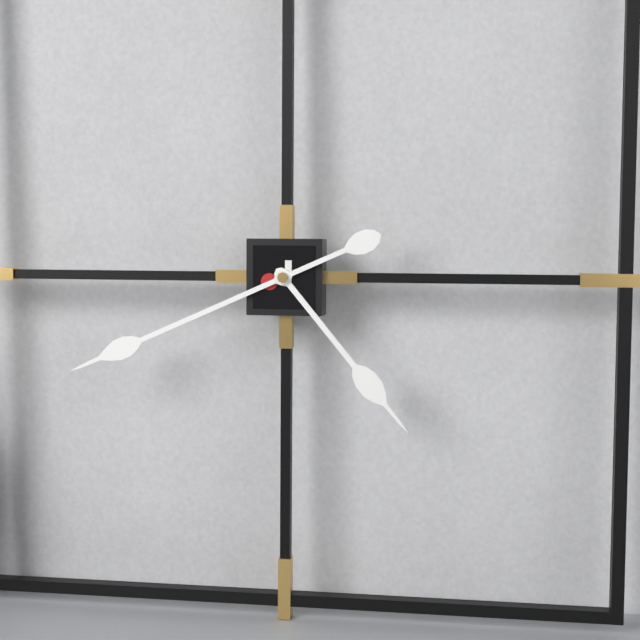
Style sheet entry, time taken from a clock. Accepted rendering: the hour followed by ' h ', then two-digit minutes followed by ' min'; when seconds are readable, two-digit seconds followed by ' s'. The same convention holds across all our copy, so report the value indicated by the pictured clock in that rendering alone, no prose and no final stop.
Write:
4 h 41 min
